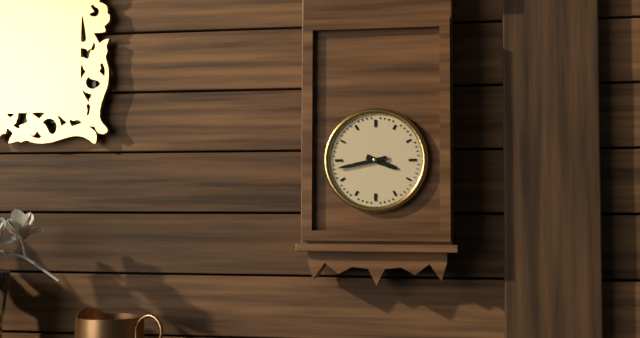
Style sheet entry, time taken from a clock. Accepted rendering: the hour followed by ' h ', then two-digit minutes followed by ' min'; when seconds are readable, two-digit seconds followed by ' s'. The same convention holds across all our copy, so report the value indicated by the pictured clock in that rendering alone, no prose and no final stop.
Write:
3 h 43 min
